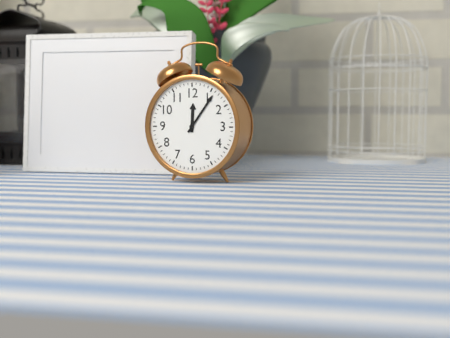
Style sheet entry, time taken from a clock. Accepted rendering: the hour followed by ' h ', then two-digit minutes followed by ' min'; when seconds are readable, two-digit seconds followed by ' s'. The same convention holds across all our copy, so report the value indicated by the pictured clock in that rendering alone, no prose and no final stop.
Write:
12 h 06 min
